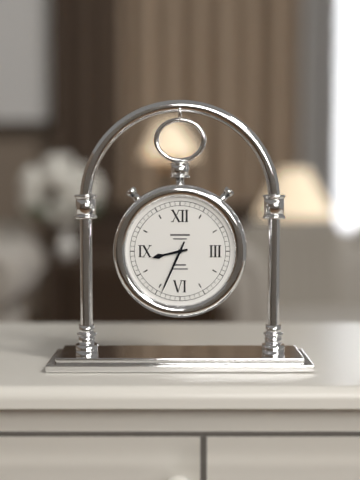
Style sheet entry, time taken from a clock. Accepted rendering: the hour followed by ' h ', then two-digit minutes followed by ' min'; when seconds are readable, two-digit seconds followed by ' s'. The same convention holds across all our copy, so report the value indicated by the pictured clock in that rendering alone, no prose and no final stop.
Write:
8 h 34 min
